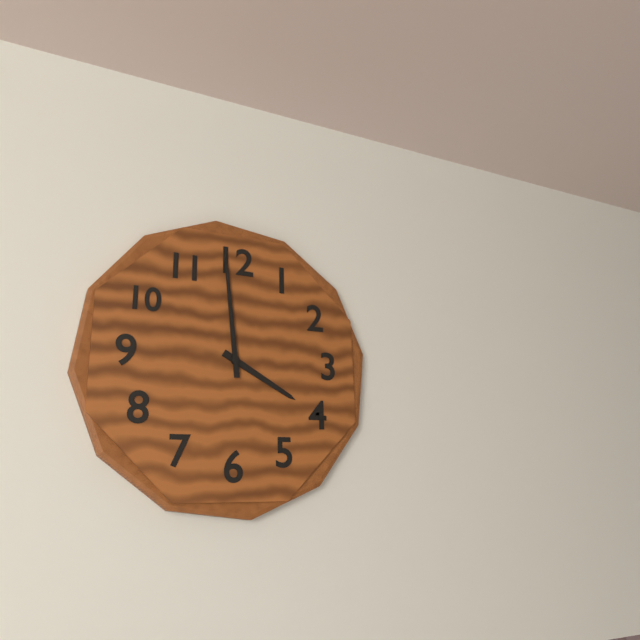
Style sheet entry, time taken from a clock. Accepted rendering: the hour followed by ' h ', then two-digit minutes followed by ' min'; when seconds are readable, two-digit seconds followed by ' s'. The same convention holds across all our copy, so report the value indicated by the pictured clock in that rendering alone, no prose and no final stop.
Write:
3 h 59 min
